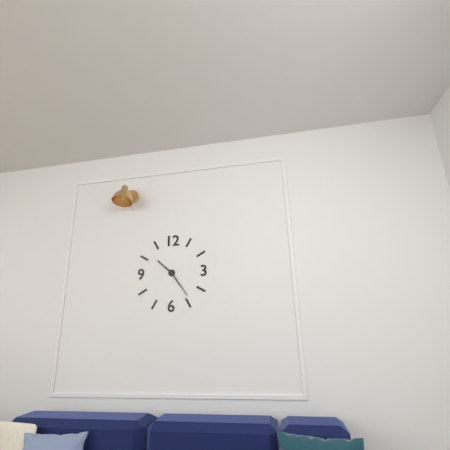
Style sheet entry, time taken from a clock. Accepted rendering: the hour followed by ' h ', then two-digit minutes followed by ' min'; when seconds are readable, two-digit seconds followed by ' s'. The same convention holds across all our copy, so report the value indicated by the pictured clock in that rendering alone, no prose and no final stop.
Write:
10 h 24 min
